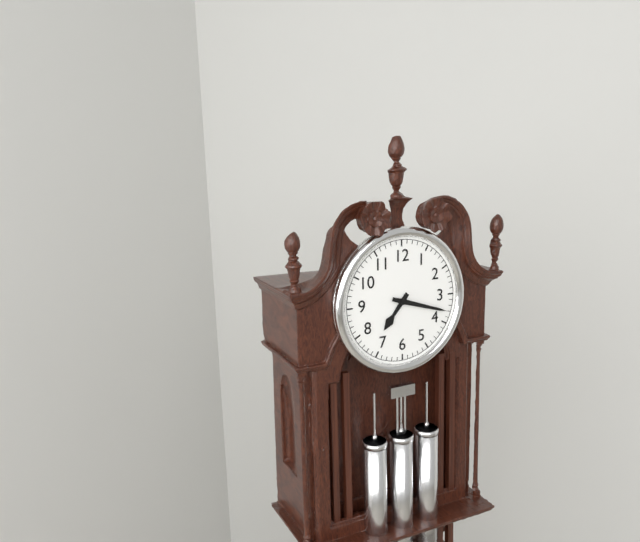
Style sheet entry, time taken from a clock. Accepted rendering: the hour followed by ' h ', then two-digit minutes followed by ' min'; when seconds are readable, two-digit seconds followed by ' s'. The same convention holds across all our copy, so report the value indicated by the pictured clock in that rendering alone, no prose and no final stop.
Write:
7 h 18 min
